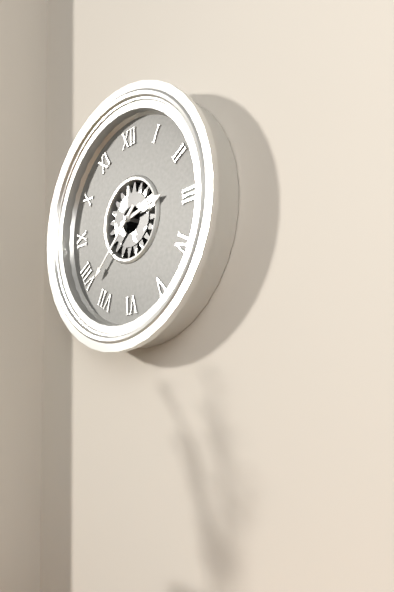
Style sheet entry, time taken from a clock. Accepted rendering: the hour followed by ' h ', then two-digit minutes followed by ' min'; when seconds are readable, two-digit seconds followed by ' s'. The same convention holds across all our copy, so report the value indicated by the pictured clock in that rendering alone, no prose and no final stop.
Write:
2 h 38 min
